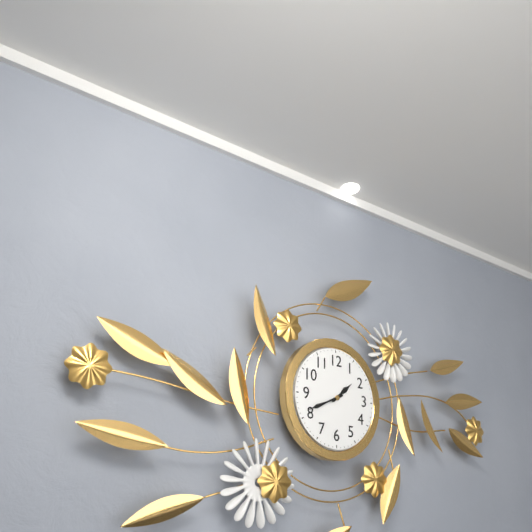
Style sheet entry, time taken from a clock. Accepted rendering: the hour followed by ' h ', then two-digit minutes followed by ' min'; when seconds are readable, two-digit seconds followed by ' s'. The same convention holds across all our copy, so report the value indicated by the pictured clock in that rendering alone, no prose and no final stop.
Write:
1 h 41 min
